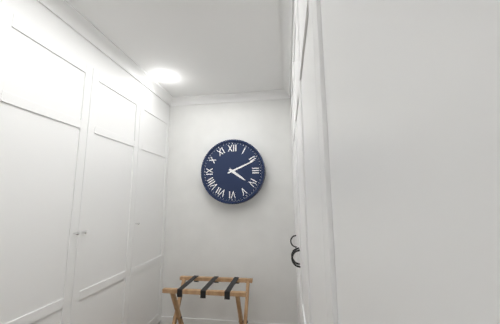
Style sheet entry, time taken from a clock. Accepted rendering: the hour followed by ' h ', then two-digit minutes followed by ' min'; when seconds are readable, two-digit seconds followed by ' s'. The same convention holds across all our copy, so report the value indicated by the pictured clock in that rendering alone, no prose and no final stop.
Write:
4 h 11 min
